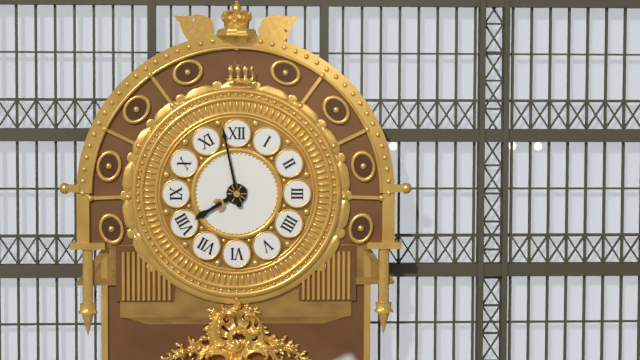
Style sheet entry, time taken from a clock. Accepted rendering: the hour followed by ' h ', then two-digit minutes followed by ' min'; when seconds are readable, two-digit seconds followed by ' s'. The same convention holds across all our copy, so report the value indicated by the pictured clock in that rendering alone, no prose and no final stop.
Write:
7 h 58 min
